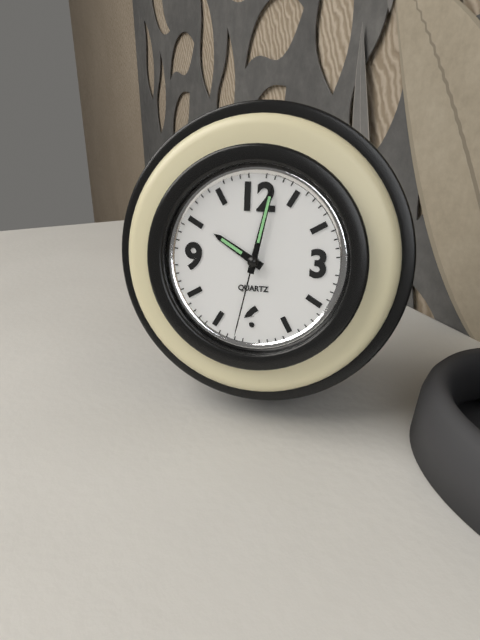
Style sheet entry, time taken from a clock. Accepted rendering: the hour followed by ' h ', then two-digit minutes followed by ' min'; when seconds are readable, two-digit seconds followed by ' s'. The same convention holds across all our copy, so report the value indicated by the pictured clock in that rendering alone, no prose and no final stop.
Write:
10 h 02 min 32 s
